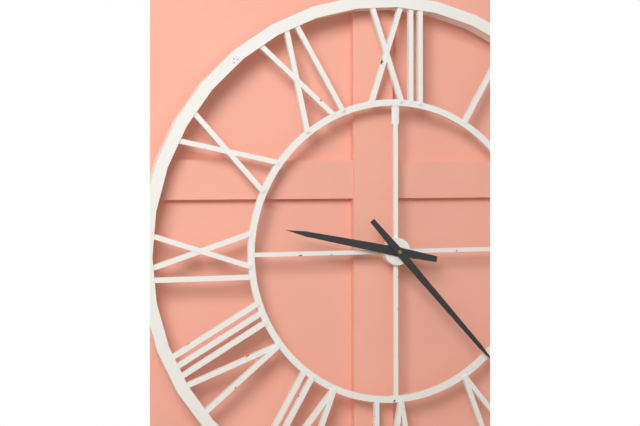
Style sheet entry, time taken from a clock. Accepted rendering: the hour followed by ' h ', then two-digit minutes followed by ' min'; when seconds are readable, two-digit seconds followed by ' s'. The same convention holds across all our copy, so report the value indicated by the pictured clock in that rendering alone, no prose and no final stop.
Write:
9 h 23 min
